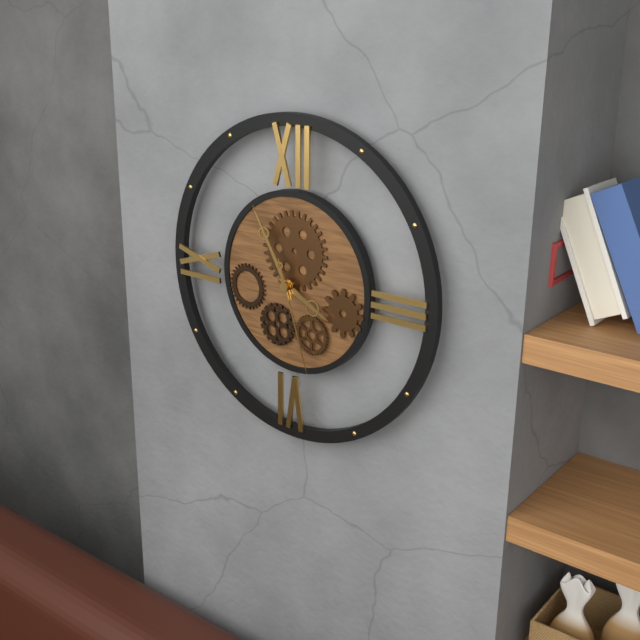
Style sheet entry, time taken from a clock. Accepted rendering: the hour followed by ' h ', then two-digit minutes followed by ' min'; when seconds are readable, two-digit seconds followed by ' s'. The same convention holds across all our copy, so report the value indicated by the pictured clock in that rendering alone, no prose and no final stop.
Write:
3 h 55 min 27 s
